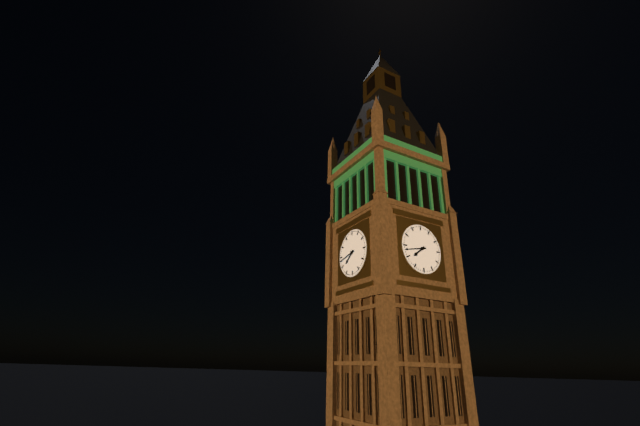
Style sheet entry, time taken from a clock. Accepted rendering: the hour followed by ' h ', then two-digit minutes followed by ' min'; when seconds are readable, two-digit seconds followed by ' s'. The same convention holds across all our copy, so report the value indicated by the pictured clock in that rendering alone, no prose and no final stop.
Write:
7 h 43 min
